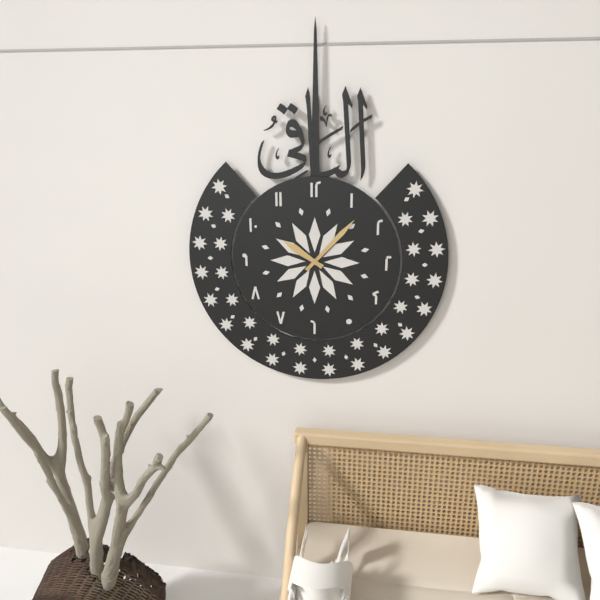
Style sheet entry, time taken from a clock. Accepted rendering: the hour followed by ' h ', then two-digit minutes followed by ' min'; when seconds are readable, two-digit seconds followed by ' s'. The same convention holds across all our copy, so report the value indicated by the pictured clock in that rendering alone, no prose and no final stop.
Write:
10 h 07 min
